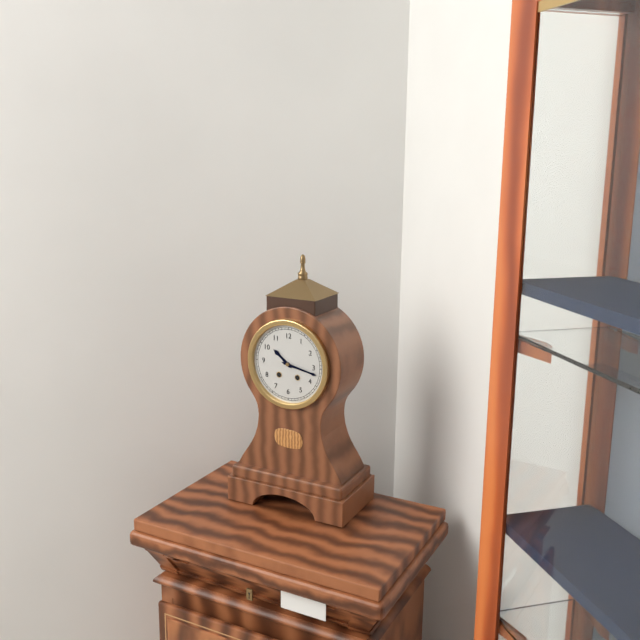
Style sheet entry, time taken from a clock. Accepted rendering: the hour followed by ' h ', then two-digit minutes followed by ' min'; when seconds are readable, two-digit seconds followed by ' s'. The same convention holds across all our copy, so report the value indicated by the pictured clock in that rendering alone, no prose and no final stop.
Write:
10 h 17 min
